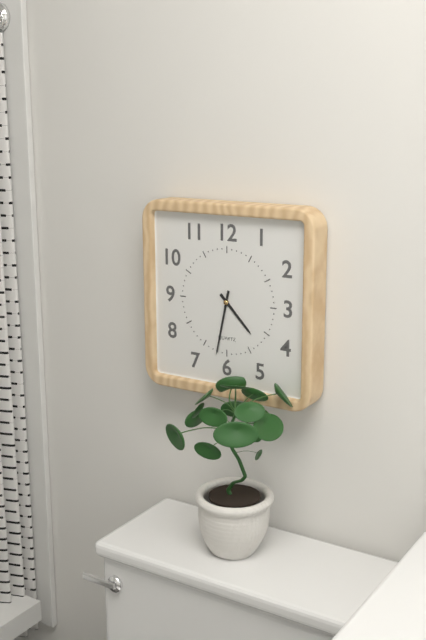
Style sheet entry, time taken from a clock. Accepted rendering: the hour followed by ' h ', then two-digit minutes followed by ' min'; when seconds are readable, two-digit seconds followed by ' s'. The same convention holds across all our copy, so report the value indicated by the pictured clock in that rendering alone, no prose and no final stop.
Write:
4 h 32 min
